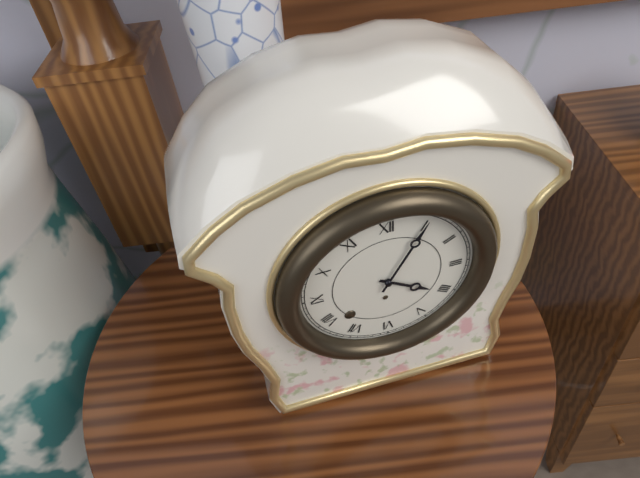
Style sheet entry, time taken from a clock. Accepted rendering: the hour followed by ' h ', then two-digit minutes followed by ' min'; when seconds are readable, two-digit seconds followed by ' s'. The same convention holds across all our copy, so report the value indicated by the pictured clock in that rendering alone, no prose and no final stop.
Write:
4 h 05 min
